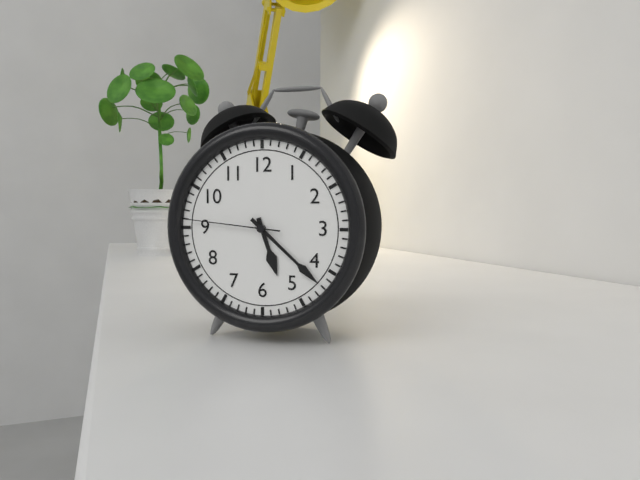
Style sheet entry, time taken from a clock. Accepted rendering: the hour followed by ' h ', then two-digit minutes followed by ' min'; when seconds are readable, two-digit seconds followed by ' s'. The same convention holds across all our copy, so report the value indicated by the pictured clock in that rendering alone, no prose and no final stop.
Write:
5 h 22 min 46 s
